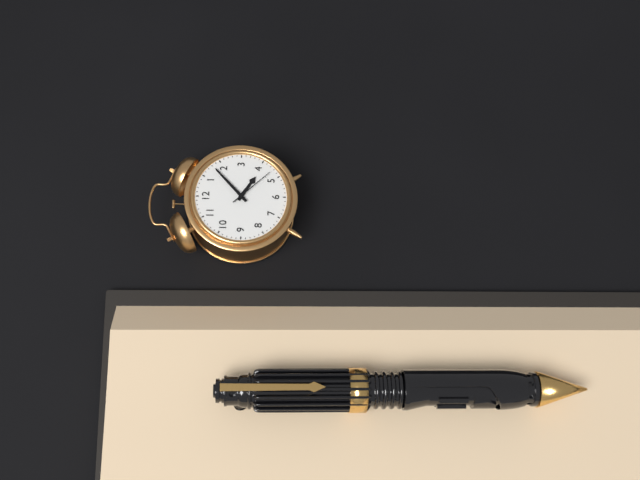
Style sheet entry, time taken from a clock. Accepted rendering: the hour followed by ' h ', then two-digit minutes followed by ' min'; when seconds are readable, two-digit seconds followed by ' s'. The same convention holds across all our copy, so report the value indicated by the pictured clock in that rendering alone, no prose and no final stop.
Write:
4 h 08 min
